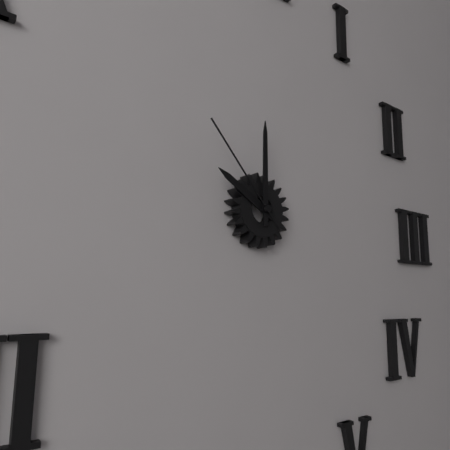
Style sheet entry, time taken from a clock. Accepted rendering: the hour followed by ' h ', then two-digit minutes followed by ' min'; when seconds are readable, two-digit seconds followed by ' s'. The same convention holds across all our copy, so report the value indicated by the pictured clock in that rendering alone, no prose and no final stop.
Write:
10 h 00 min 53 s
